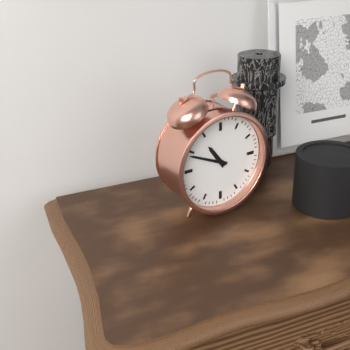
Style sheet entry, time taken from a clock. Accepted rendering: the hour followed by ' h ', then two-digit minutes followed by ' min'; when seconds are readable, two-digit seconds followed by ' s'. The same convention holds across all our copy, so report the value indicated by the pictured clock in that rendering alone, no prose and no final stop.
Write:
10 h 49 min
